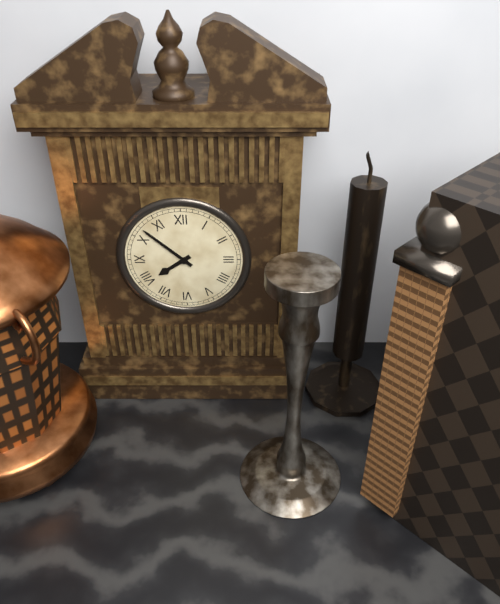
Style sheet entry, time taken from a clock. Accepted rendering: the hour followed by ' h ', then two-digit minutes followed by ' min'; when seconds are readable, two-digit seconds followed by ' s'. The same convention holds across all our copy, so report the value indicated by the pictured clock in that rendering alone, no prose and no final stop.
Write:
7 h 52 min
